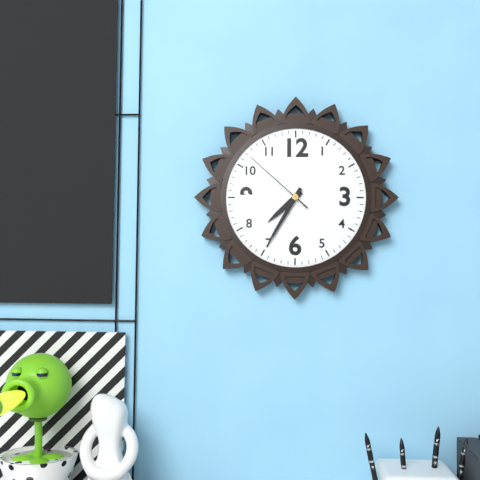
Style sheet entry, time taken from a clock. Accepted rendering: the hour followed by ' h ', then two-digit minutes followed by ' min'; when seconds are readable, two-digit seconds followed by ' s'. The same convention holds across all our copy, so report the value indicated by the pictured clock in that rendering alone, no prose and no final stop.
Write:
7 h 35 min 52 s
